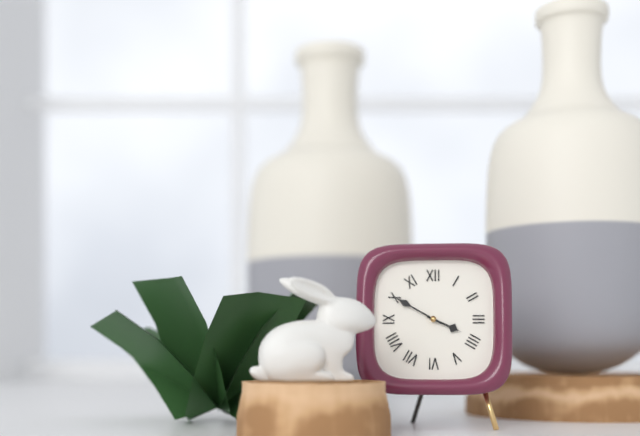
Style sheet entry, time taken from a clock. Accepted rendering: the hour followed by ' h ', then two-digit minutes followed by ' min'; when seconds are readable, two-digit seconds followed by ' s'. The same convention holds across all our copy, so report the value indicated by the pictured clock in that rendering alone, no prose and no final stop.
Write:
3 h 50 min
